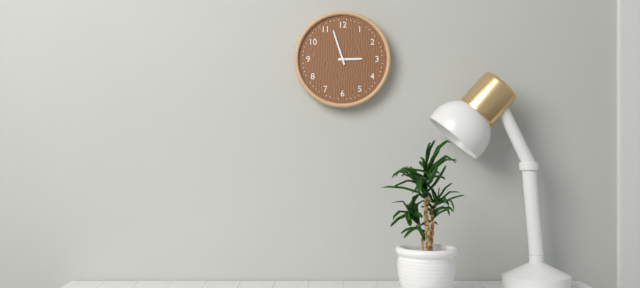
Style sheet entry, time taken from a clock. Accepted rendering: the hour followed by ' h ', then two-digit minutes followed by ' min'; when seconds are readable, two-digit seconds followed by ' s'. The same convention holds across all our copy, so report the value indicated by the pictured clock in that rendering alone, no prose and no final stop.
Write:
2 h 57 min
